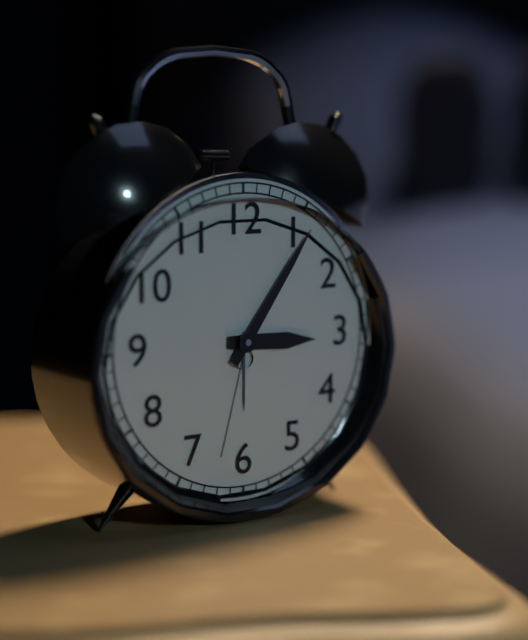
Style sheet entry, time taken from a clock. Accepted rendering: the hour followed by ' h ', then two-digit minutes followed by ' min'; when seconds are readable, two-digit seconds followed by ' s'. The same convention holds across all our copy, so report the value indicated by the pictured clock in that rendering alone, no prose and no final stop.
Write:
3 h 06 min
